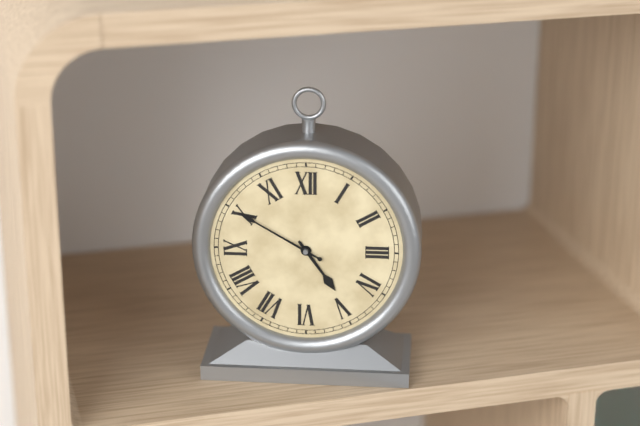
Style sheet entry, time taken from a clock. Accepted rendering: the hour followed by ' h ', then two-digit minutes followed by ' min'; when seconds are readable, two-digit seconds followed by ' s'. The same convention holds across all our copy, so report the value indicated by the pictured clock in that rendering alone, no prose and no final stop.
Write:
4 h 50 min
